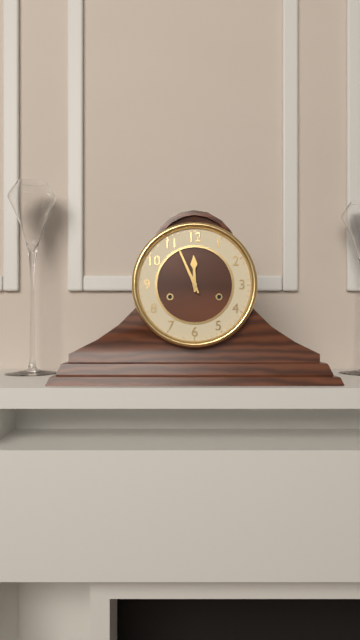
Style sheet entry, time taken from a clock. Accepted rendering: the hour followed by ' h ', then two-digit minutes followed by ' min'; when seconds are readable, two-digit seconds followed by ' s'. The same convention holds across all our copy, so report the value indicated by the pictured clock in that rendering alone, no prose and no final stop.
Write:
11 h 56 min
